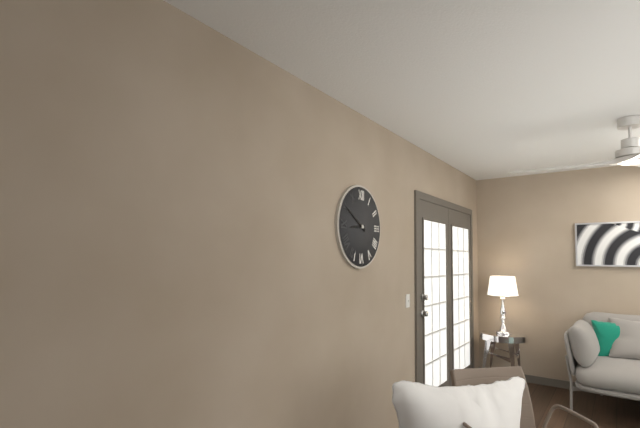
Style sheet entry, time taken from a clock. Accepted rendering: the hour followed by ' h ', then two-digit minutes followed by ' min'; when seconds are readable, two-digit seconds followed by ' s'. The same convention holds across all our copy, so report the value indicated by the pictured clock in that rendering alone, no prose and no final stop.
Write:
8 h 50 min
